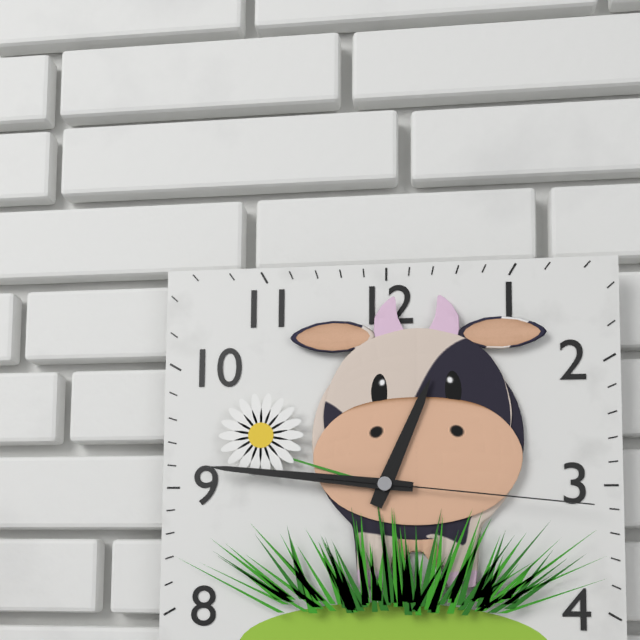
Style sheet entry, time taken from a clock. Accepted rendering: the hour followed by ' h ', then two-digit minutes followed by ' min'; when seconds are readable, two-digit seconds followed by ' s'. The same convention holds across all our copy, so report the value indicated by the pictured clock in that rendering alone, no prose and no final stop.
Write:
12 h 46 min 16 s
